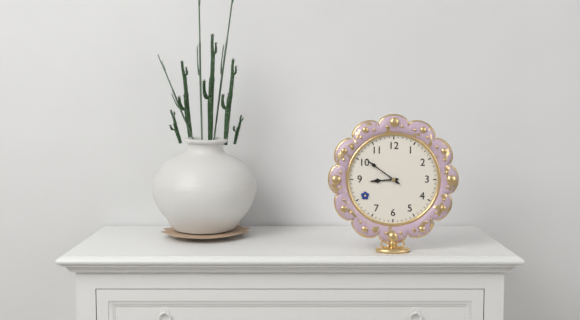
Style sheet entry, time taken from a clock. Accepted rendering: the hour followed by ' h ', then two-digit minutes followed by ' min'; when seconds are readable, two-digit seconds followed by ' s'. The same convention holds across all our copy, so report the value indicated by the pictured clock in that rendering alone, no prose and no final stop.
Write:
8 h 51 min
